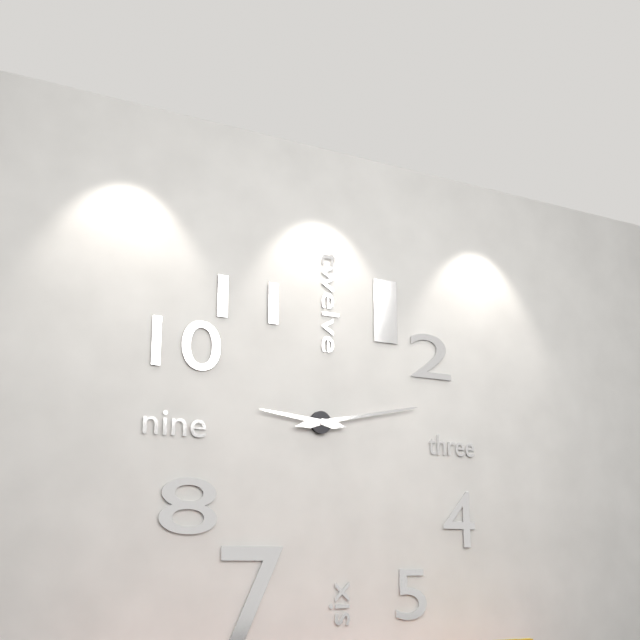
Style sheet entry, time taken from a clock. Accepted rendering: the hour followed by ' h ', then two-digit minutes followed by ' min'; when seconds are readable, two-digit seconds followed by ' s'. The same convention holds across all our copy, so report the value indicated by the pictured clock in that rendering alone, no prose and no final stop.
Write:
9 h 13 min
